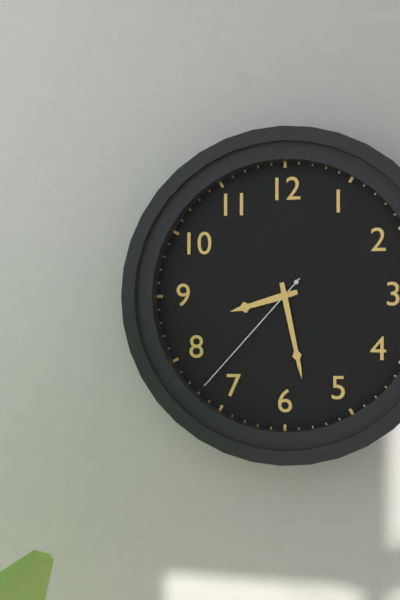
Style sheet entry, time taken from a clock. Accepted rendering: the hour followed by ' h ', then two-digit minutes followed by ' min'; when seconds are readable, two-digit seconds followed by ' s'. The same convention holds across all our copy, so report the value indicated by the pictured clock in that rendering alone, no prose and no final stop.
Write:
8 h 28 min 37 s
